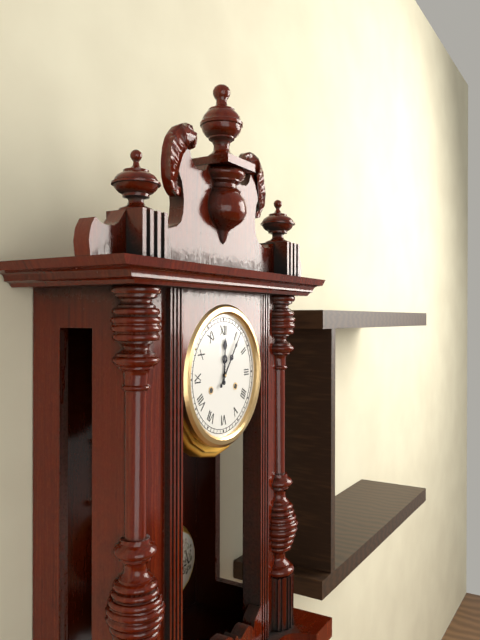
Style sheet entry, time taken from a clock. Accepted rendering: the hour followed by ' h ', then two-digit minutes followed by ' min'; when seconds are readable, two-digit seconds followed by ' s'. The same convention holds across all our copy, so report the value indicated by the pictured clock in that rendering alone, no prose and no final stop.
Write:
12 h 06 min
